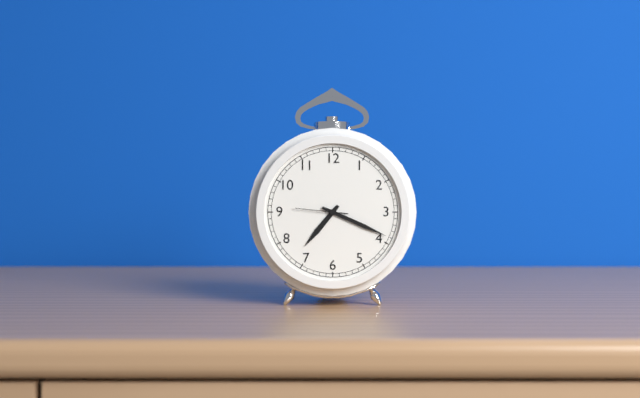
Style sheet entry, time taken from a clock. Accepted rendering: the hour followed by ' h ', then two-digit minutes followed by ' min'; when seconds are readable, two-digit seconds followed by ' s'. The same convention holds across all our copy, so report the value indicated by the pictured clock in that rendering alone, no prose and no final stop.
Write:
7 h 19 min
